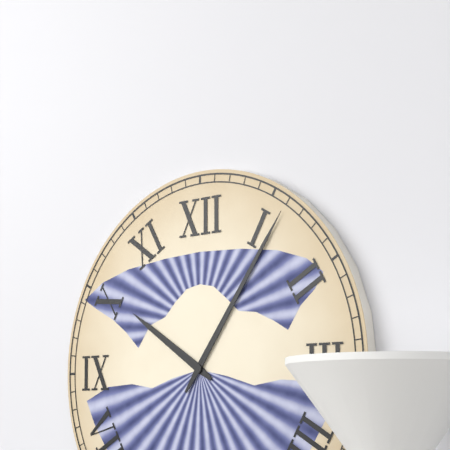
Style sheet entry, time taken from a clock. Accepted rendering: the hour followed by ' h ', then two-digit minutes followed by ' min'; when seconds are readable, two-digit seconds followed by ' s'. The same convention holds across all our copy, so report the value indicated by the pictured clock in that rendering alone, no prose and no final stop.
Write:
10 h 06 min
